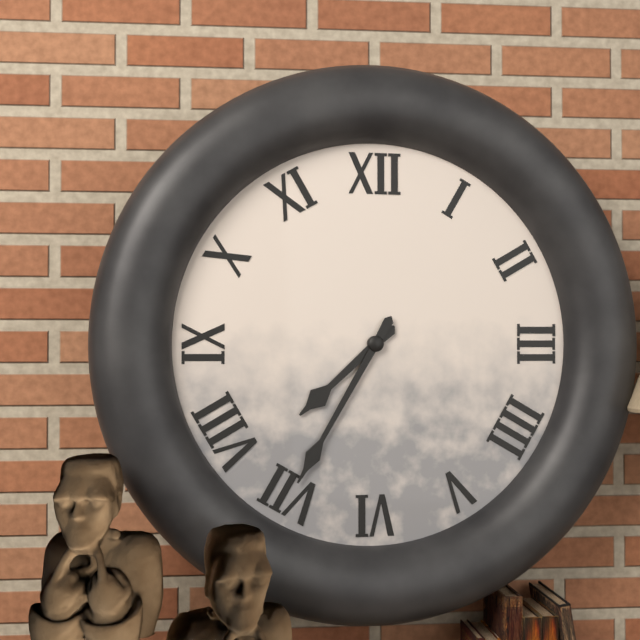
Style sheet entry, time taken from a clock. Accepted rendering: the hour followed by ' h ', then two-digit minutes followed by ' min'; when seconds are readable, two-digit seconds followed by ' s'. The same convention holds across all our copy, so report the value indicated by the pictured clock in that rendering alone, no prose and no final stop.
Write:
7 h 35 min
